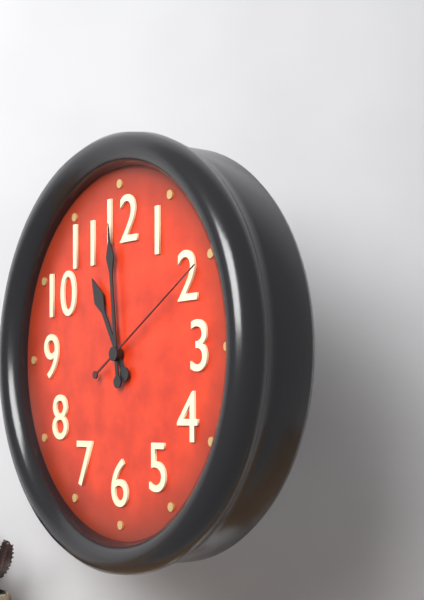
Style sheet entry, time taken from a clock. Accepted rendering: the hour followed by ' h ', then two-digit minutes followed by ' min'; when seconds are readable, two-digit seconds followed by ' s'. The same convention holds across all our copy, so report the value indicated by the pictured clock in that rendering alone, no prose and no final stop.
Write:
10 h 59 min 10 s
